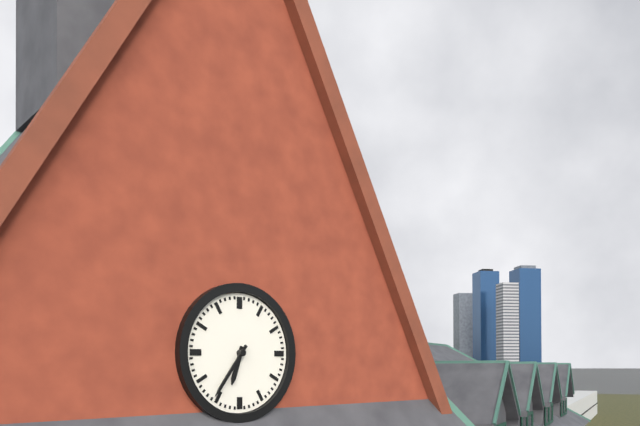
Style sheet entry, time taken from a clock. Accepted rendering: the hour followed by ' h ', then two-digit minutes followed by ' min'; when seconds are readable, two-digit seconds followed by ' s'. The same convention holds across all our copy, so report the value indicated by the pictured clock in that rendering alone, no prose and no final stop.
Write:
6 h 36 min
